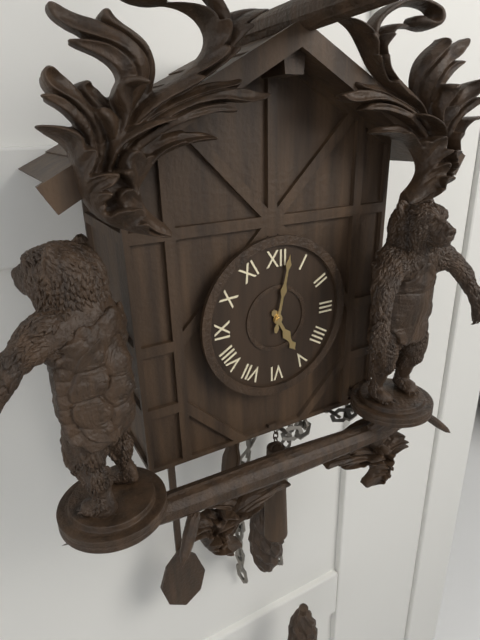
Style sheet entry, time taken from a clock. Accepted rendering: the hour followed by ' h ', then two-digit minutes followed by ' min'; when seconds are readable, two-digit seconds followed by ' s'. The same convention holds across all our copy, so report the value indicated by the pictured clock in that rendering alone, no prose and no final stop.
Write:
5 h 02 min
